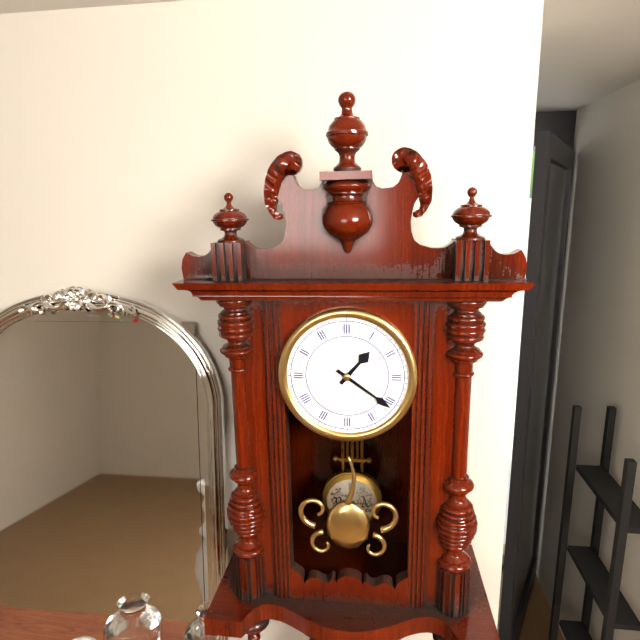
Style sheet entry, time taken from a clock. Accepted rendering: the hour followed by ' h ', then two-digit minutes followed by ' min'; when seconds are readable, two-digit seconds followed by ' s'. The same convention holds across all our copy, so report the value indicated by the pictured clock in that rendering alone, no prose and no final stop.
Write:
1 h 21 min
